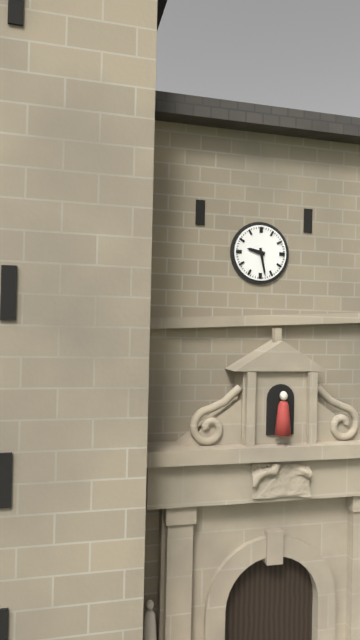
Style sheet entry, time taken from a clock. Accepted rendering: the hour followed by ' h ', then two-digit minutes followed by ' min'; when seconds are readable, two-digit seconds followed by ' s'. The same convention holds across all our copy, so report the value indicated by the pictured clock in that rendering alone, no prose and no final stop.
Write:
9 h 28 min
